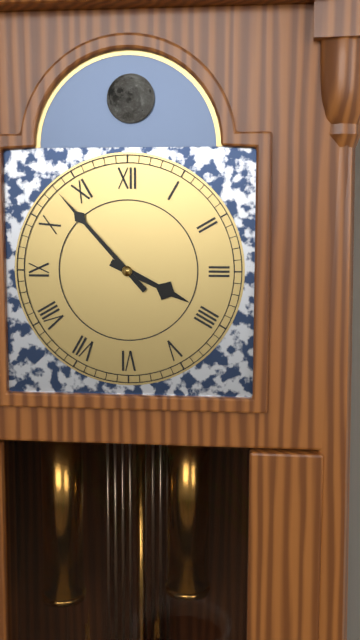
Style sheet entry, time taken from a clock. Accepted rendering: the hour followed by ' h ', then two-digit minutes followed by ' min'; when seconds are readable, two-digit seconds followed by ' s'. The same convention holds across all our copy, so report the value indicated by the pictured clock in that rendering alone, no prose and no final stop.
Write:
3 h 53 min
